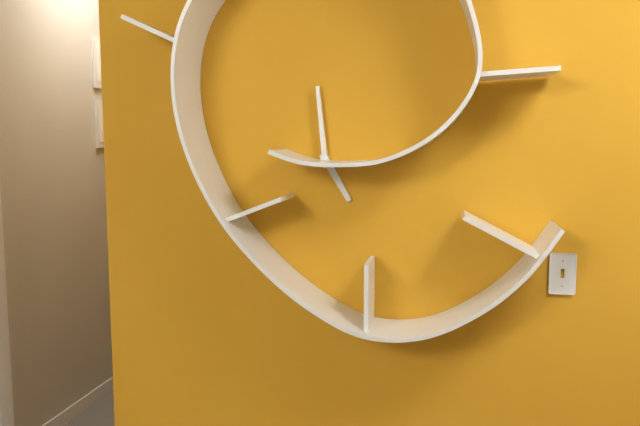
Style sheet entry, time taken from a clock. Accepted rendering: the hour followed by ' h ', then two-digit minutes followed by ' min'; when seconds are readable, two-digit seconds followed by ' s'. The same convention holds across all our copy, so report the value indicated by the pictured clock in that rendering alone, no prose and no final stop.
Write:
4 h 59 min
